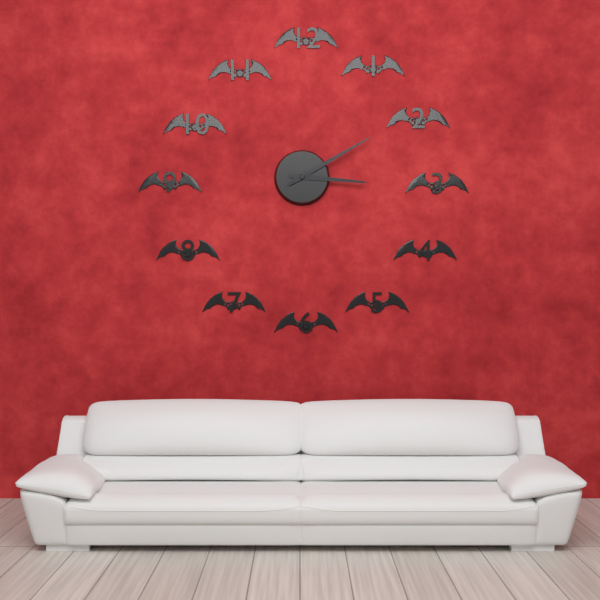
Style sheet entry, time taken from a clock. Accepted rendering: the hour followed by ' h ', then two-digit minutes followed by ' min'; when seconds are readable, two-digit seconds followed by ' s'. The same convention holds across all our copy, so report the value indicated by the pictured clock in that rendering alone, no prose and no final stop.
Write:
3 h 10 min
